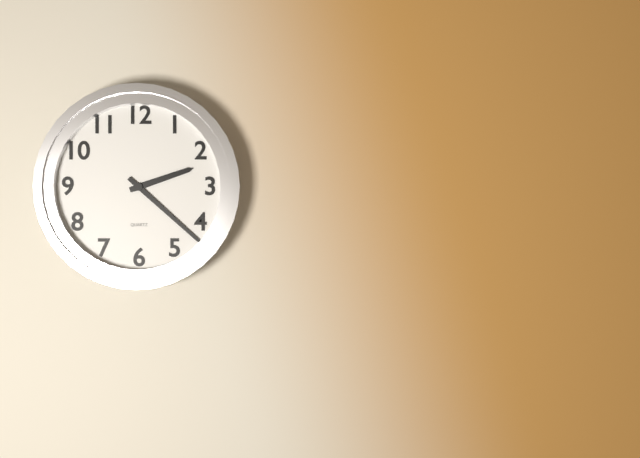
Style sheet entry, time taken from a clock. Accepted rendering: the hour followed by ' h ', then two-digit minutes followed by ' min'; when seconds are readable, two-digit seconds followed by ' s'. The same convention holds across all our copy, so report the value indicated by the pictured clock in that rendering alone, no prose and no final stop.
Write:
2 h 22 min
